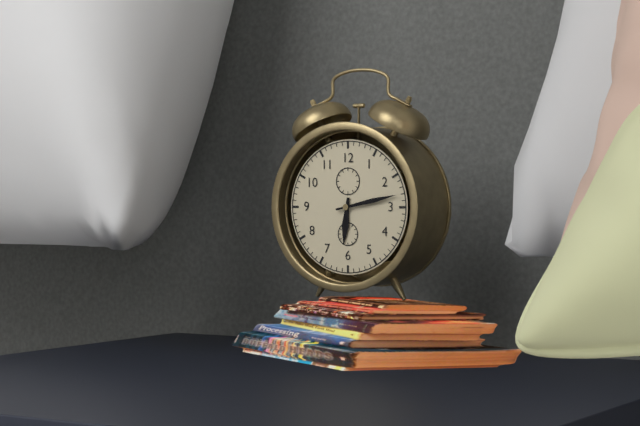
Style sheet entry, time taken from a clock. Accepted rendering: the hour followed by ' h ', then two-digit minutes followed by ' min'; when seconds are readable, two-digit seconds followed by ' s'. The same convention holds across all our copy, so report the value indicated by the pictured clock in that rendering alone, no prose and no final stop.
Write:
6 h 13 min
